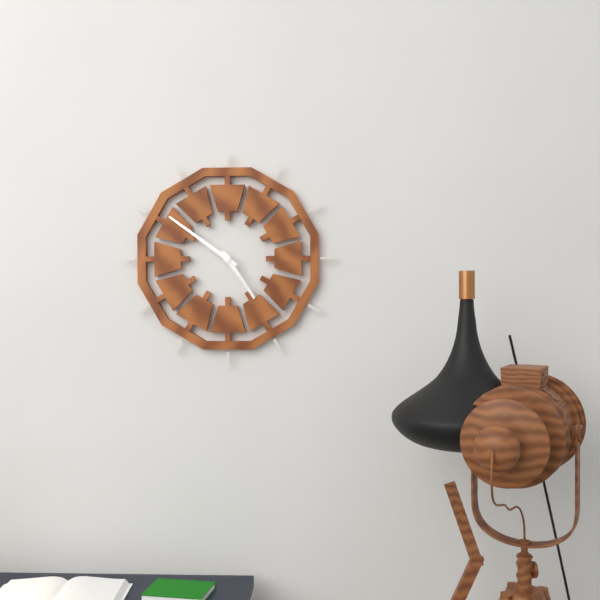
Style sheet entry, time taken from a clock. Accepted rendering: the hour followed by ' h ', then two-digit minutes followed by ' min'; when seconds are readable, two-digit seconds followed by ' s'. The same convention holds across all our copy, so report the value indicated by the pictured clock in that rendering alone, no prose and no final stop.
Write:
4 h 51 min
